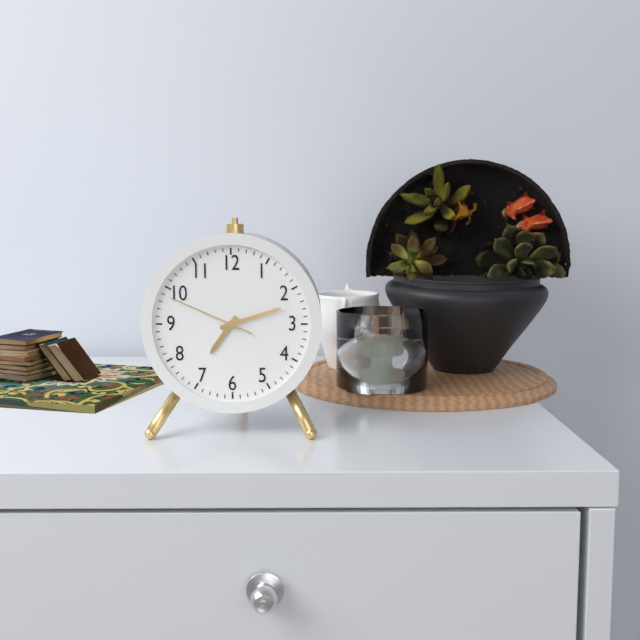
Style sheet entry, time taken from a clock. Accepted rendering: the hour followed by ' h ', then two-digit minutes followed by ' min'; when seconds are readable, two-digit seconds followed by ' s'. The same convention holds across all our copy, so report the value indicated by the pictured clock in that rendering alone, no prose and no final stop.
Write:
7 h 12 min 49 s
